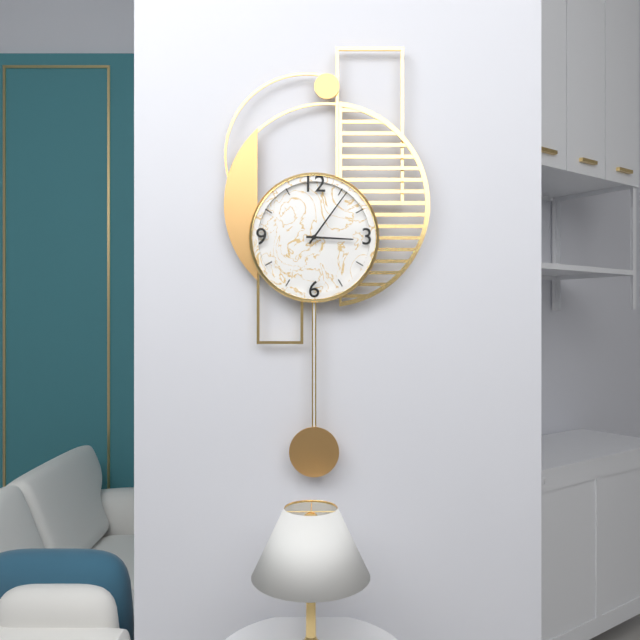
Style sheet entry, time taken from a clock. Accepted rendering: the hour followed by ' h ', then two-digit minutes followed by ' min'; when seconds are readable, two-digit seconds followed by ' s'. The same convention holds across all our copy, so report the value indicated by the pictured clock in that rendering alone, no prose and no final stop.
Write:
3 h 06 min
